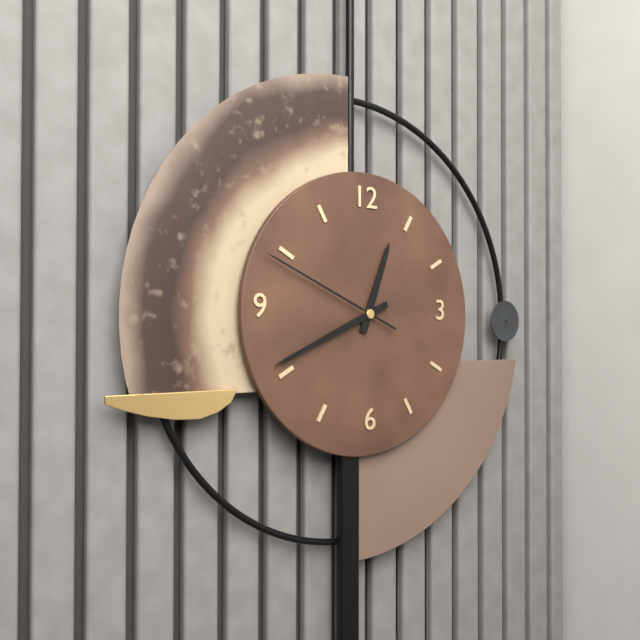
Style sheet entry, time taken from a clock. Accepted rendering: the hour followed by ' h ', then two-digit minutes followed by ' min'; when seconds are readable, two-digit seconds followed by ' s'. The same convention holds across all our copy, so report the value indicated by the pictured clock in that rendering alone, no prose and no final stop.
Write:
12 h 41 min 49 s
